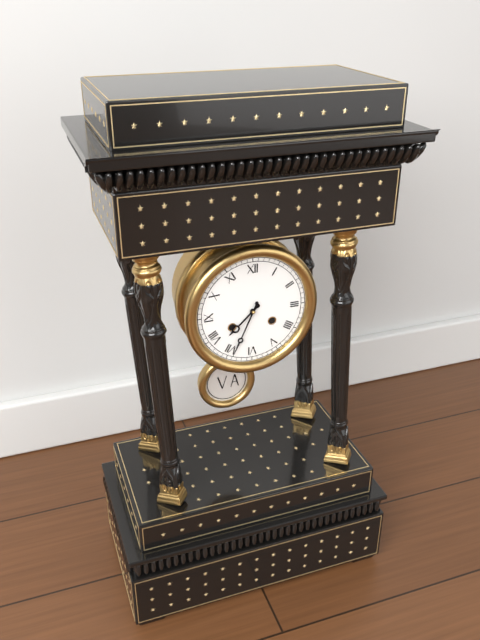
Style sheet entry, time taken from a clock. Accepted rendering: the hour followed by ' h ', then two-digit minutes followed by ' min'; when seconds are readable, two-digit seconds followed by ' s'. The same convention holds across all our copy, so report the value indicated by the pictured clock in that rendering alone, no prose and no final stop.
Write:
7 h 34 min
